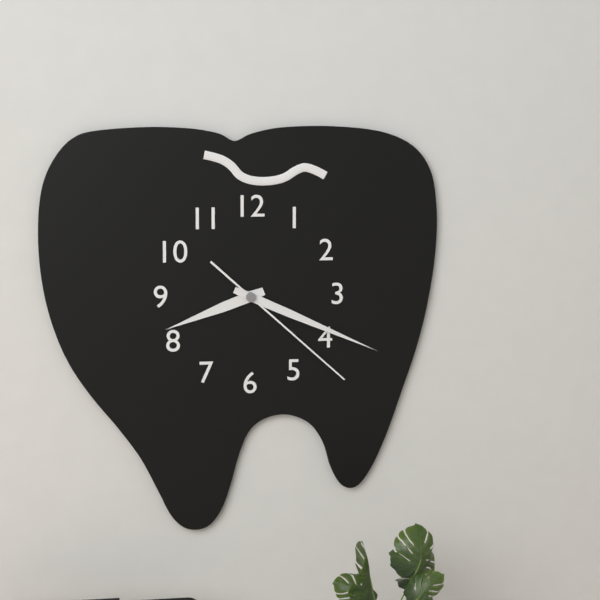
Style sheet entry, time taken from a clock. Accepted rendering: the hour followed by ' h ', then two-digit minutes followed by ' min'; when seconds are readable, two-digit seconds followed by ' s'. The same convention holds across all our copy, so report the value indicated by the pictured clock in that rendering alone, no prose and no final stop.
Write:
8 h 19 min 22 s
